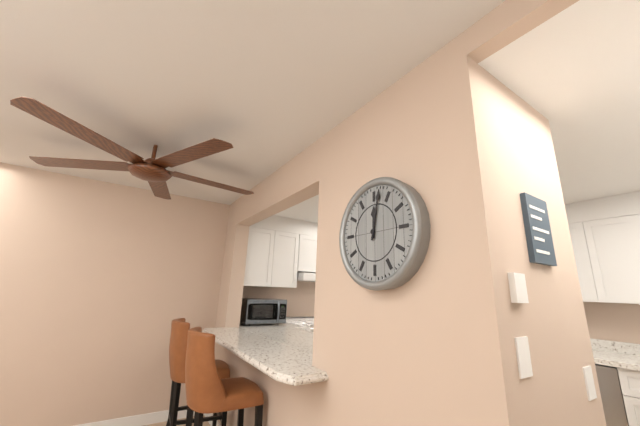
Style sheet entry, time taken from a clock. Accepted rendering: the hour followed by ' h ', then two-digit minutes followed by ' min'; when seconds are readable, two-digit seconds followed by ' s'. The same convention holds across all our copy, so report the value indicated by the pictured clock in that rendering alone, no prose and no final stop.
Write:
12 h 02 min
